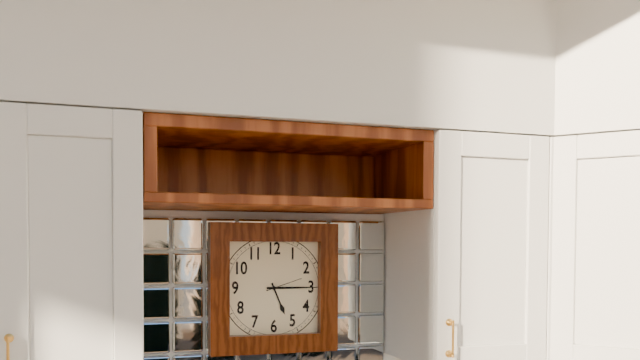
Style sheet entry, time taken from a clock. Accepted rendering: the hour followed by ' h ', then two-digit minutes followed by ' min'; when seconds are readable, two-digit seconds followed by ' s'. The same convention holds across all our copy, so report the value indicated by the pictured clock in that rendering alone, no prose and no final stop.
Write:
5 h 15 min
